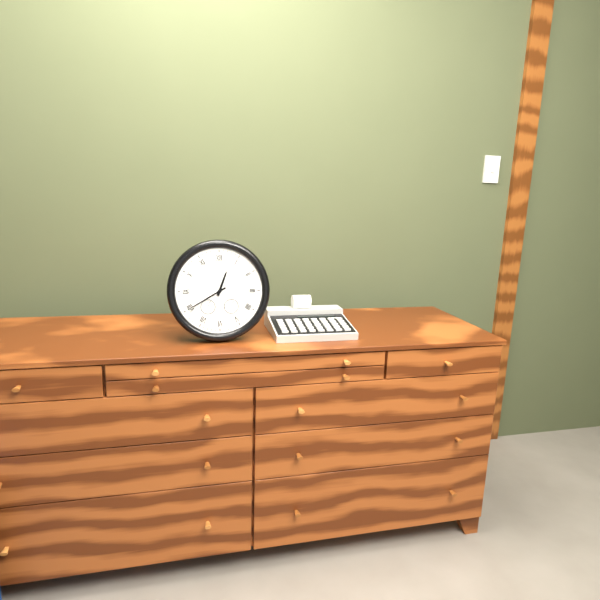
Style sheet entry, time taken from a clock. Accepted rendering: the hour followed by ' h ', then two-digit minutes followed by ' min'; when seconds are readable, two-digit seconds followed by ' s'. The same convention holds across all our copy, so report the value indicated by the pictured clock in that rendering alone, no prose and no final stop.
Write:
12 h 40 min
